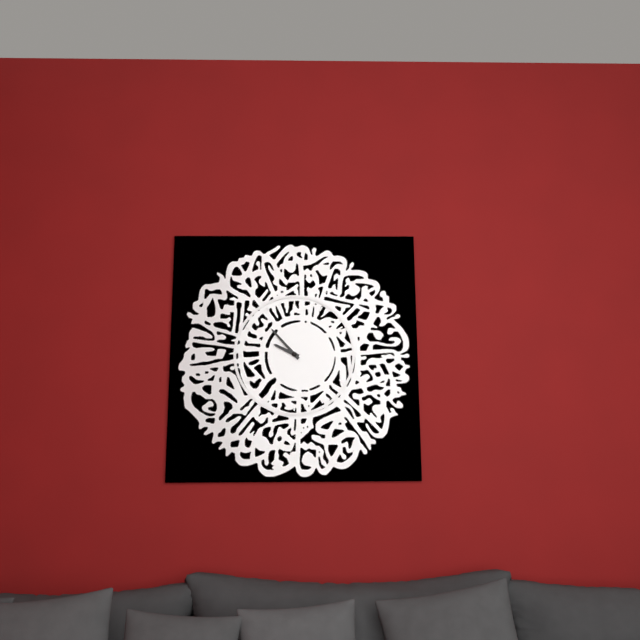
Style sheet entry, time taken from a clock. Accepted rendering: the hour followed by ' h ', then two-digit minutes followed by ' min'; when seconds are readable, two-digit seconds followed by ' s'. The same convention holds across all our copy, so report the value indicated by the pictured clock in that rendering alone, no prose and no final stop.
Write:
9 h 53 min
